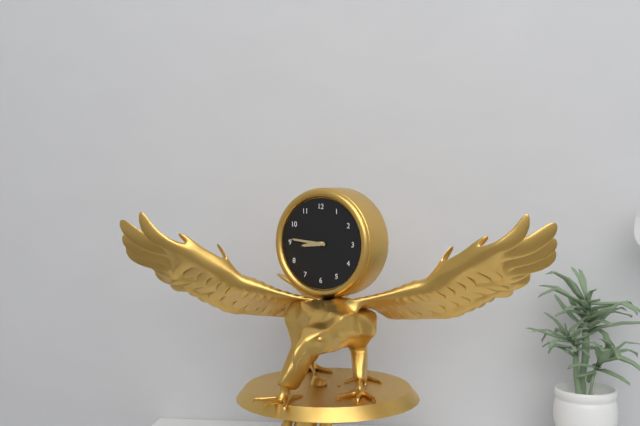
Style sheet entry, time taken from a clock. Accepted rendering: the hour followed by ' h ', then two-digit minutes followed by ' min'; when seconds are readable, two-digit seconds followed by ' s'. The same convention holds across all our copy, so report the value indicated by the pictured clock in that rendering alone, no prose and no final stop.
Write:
8 h 46 min
